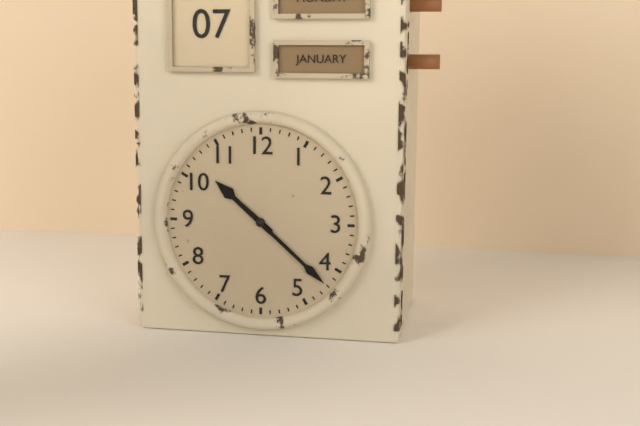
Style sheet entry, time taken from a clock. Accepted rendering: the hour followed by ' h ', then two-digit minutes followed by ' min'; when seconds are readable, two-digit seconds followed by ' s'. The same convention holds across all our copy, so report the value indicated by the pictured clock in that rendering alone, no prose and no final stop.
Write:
10 h 22 min
